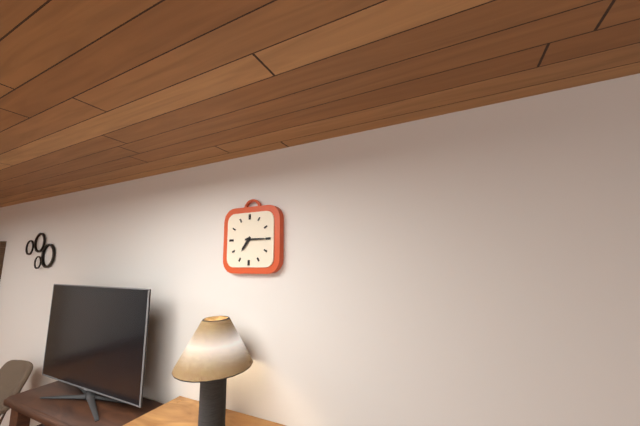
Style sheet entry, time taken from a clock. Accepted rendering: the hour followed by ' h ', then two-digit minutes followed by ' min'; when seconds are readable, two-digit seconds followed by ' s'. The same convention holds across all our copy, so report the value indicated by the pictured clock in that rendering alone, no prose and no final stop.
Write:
7 h 15 min
